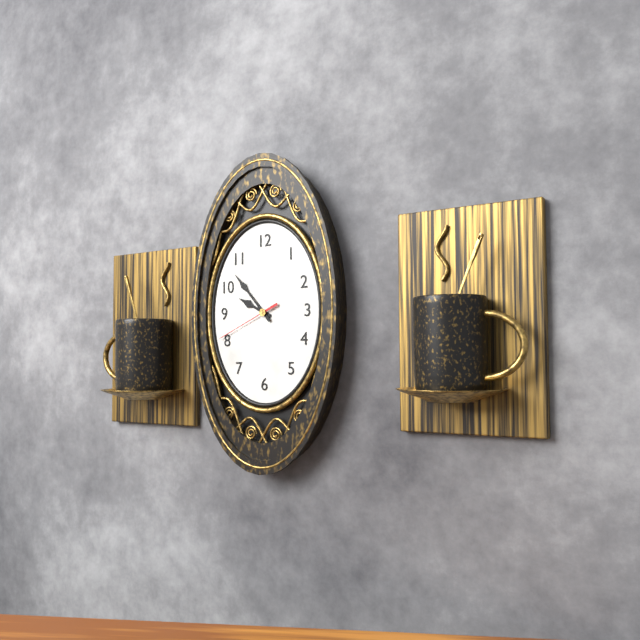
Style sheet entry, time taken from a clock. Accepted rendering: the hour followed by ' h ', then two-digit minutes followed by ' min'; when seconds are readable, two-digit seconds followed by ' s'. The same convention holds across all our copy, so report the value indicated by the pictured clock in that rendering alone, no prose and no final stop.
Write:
9 h 53 min 41 s
